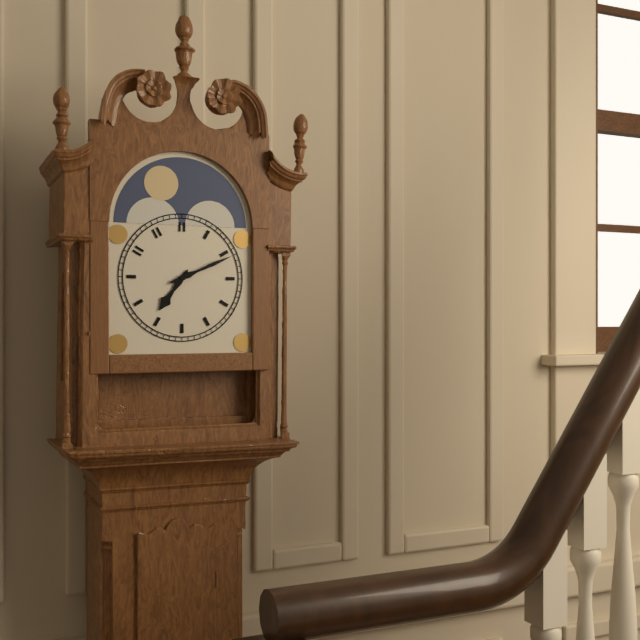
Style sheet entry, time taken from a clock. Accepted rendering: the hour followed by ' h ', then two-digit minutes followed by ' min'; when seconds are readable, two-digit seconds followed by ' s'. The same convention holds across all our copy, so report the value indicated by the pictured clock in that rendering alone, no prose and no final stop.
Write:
7 h 11 min
